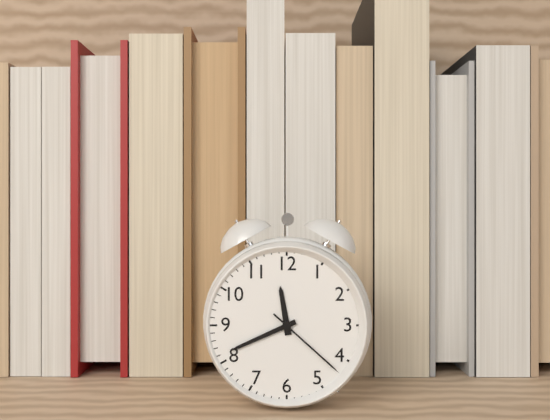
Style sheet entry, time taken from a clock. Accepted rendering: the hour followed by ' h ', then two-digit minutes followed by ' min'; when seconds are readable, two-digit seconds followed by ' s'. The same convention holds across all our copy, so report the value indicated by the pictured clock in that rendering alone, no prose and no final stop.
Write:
11 h 41 min 22 s
